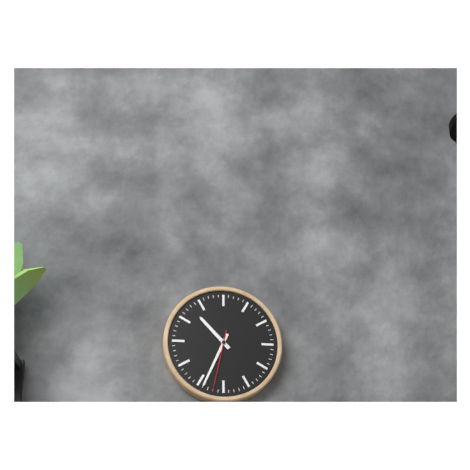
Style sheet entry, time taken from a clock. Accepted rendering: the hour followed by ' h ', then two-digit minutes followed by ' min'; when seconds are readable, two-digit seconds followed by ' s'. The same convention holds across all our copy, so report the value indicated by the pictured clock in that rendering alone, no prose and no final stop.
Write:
10 h 34 min 32 s
